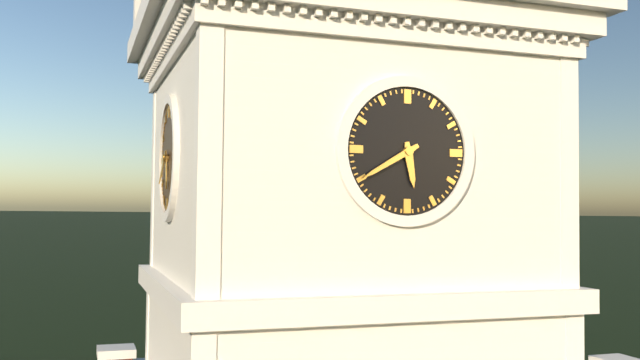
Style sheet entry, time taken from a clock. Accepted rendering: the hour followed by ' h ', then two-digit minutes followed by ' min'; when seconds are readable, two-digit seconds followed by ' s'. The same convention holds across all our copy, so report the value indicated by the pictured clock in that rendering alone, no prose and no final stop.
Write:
5 h 40 min
